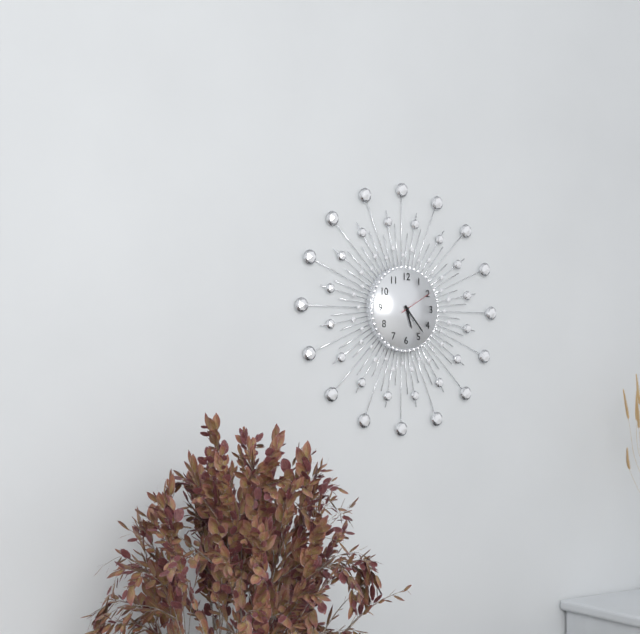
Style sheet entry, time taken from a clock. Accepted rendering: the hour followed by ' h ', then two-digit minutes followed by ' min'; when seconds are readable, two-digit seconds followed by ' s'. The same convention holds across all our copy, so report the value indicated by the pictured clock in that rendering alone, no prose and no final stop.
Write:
5 h 23 min
